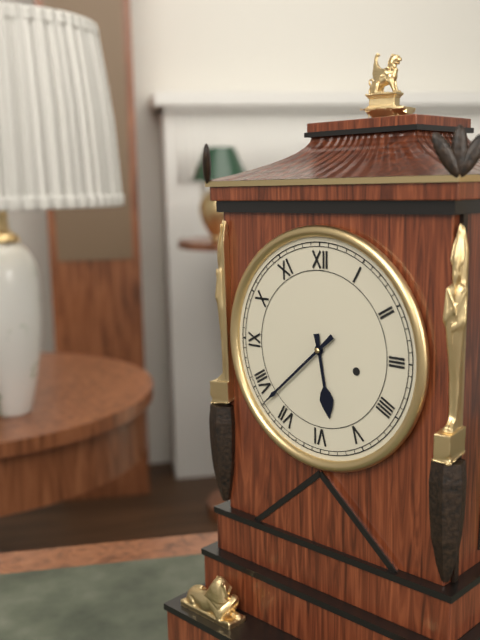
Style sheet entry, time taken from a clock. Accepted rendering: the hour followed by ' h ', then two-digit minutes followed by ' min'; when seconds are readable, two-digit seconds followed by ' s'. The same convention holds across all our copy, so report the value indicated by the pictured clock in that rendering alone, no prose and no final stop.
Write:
5 h 38 min
